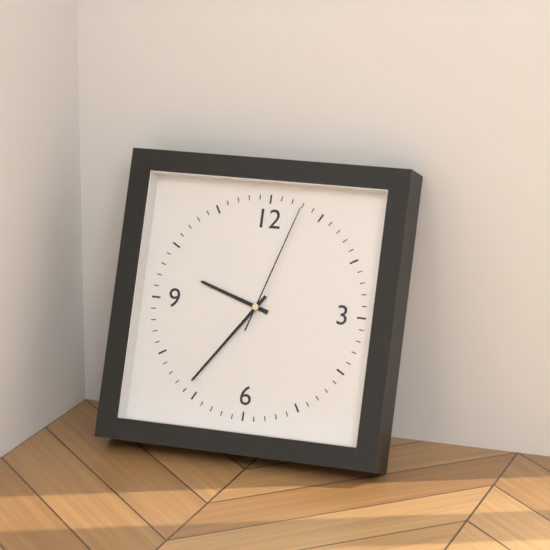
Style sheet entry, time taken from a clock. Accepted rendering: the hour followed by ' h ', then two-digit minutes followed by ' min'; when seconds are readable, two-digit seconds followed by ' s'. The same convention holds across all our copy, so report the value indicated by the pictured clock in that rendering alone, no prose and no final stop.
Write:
9 h 36 min 03 s
